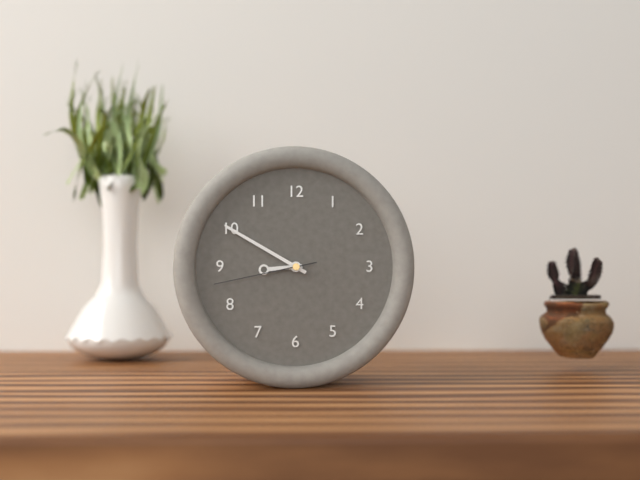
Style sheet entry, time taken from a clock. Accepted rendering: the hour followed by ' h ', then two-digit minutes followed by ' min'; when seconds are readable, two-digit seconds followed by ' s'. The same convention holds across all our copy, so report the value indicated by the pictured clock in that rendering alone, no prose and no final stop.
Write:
8 h 50 min 43 s
